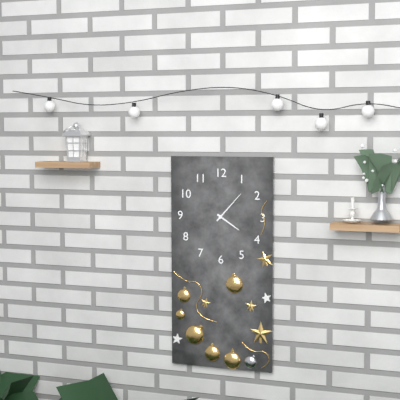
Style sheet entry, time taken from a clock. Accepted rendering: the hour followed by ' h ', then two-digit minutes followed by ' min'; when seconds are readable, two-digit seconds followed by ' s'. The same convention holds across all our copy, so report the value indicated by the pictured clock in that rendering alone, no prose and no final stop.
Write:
4 h 07 min
